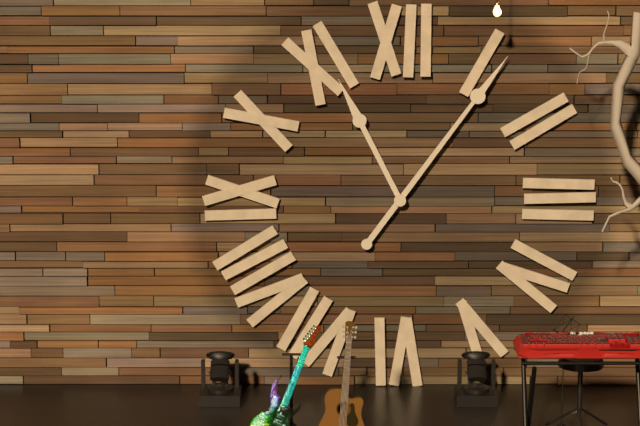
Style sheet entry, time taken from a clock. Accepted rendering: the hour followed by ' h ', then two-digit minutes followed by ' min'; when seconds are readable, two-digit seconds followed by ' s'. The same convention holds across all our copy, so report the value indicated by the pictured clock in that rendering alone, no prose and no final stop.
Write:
11 h 06 min
